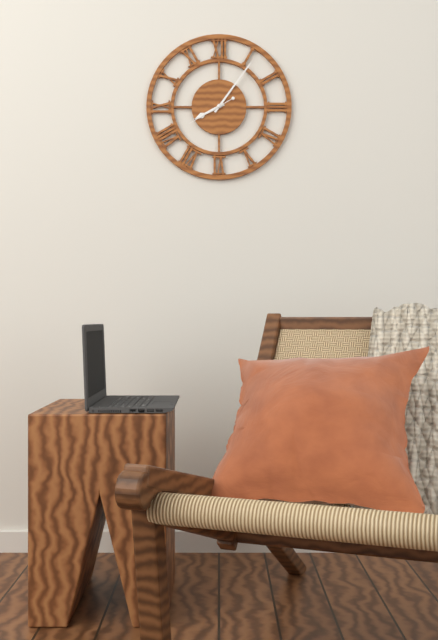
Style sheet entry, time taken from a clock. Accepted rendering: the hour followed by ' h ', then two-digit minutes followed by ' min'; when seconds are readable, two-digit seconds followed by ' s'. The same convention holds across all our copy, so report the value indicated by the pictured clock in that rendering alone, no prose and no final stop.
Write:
8 h 06 min
